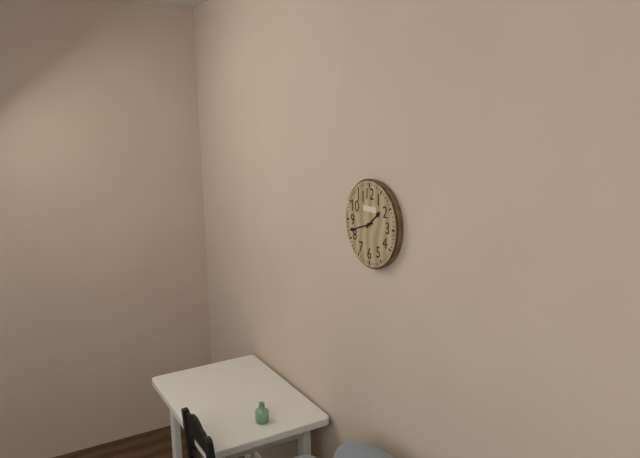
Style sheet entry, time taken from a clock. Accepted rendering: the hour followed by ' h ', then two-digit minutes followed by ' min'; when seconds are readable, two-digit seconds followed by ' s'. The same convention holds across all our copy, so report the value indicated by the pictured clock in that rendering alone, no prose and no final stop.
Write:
1 h 42 min
